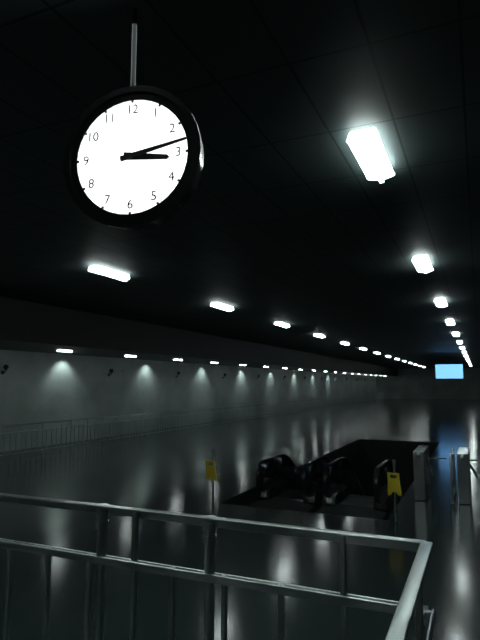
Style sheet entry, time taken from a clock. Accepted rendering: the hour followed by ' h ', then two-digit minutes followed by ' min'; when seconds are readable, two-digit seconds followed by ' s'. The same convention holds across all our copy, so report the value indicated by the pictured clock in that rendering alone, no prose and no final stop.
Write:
3 h 13 min
